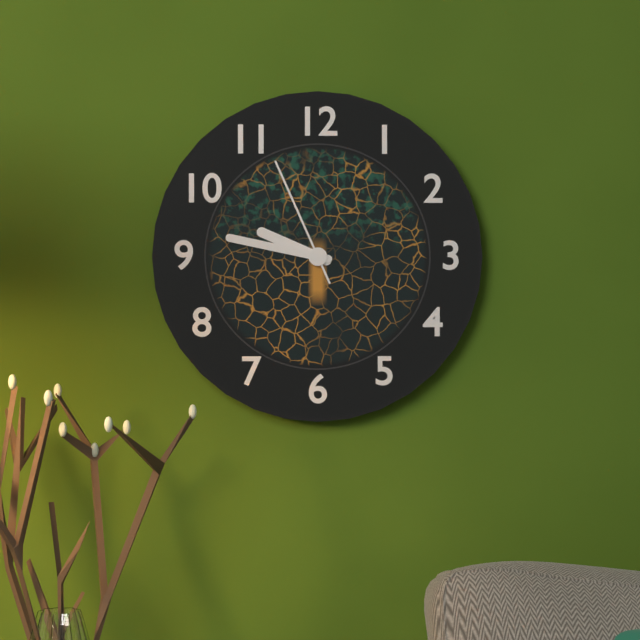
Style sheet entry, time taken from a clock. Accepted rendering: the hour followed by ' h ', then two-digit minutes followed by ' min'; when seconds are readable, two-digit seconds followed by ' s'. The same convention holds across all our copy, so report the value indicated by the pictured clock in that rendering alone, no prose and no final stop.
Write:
9 h 47 min 56 s
